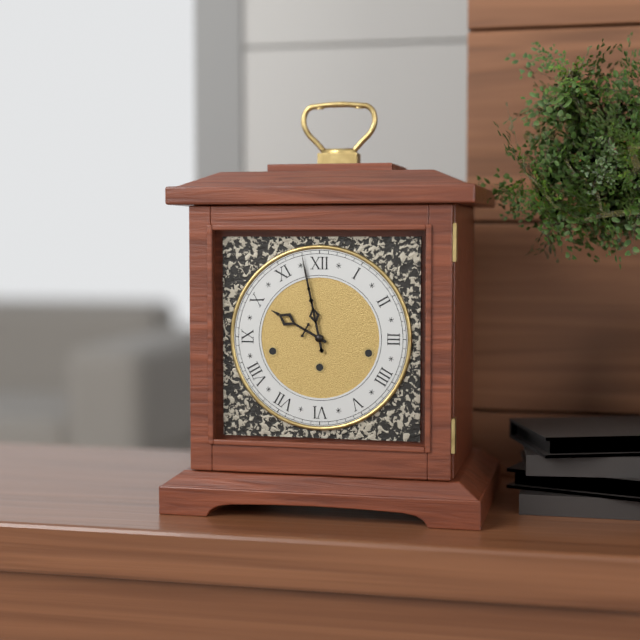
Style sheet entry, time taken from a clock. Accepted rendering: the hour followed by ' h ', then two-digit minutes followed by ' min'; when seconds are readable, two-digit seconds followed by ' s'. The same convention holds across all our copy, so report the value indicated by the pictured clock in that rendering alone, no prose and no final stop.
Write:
9 h 58 min
